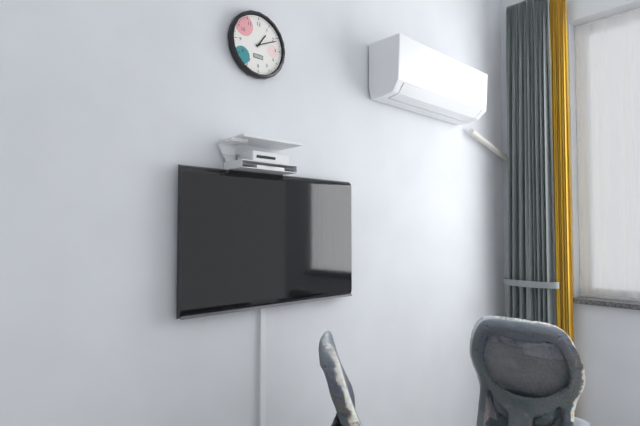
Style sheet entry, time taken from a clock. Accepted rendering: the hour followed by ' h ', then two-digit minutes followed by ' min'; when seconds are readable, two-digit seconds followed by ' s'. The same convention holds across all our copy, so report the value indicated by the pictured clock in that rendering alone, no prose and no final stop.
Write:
1 h 11 min
